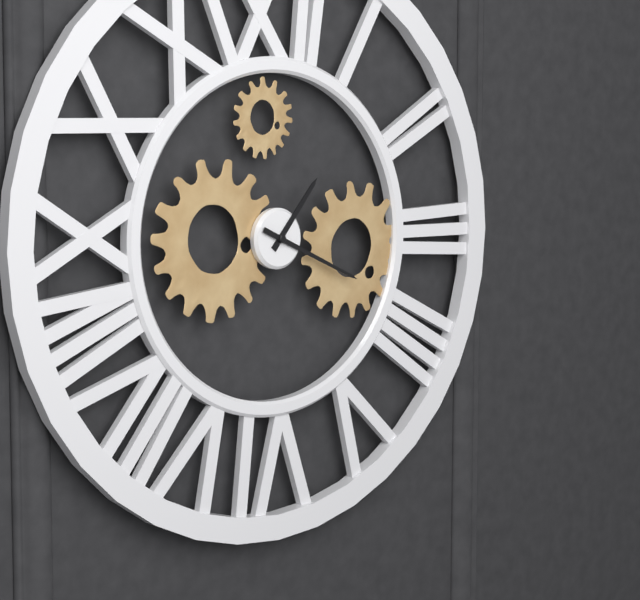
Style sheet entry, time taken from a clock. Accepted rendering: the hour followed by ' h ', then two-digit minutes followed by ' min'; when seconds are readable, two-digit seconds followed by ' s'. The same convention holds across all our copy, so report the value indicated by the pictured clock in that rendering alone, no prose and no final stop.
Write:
1 h 19 min
